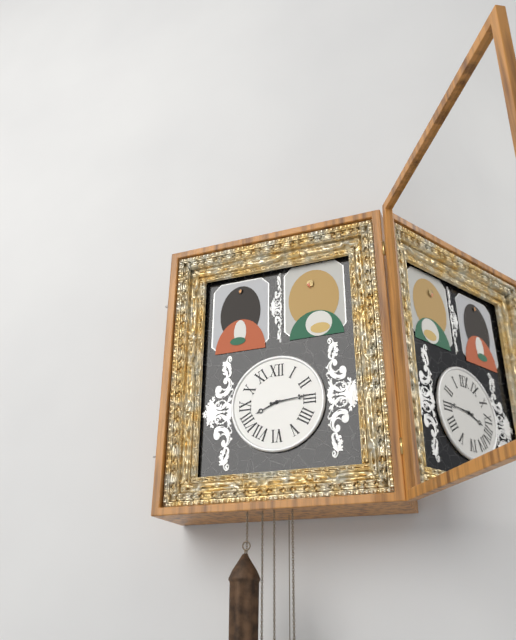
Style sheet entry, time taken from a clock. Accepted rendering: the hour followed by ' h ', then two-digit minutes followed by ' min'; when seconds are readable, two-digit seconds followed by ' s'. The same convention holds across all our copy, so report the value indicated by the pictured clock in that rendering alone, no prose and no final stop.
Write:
8 h 14 min
